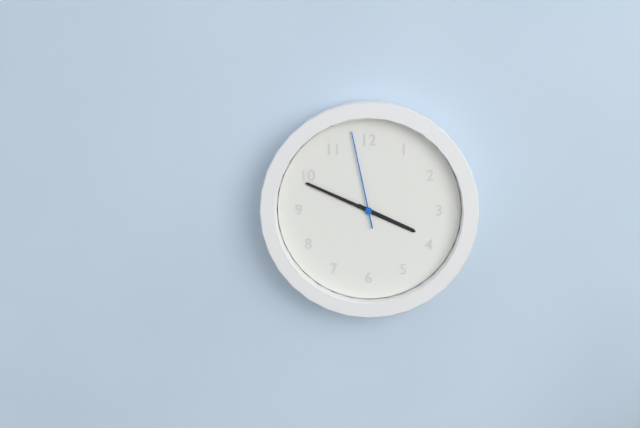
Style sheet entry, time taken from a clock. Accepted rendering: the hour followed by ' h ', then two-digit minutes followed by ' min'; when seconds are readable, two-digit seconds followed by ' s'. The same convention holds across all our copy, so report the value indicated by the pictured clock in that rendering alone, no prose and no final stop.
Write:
3 h 49 min 58 s
